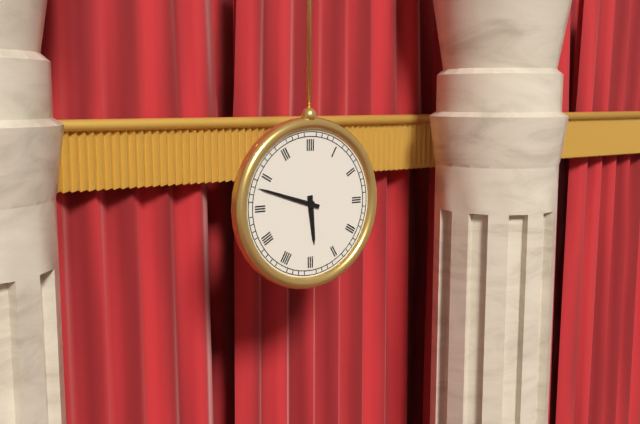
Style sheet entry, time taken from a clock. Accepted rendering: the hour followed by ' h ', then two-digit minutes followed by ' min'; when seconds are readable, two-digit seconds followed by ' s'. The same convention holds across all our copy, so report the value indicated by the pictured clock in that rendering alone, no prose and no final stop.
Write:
5 h 48 min
